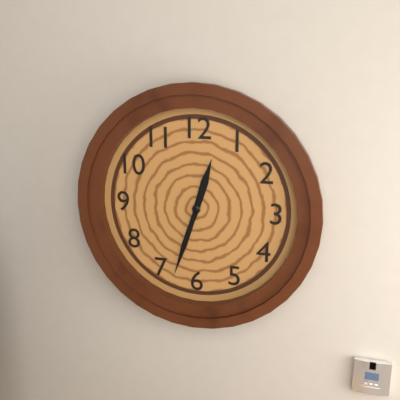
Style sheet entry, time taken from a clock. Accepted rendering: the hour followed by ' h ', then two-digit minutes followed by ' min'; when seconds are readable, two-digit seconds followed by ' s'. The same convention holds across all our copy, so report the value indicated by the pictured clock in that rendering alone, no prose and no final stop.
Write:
12 h 33 min
